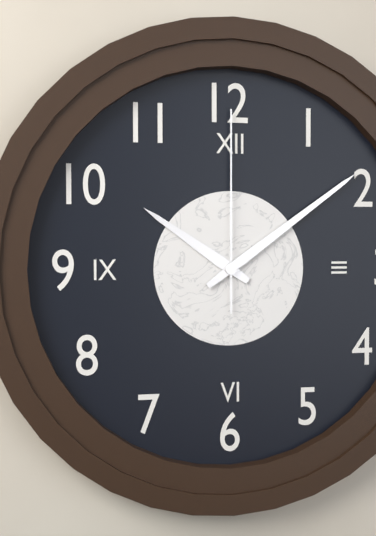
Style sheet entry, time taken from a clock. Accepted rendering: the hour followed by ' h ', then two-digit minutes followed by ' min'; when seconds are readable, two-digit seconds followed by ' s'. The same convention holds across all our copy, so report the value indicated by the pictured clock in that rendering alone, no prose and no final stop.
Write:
10 h 09 min 00 s
